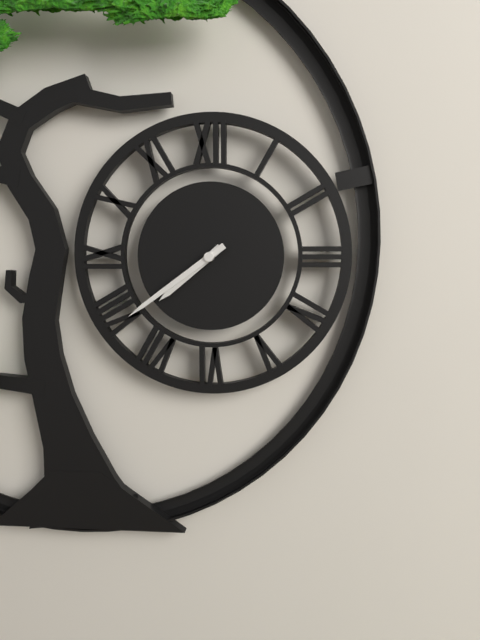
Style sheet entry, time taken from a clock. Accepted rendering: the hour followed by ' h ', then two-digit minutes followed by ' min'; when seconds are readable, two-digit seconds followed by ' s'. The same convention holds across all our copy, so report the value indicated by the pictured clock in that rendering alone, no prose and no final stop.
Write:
7 h 39 min
